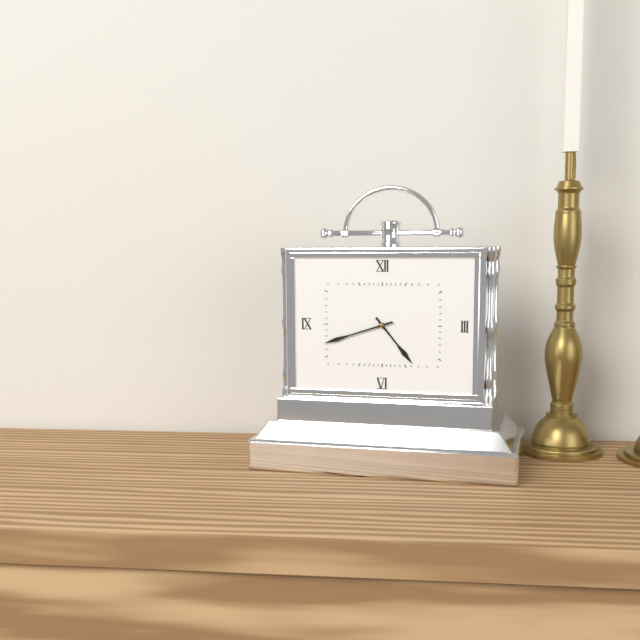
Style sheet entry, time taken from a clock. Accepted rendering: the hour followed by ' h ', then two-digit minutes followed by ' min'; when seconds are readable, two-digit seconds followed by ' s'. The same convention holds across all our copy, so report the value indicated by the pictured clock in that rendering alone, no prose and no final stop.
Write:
4 h 42 min
